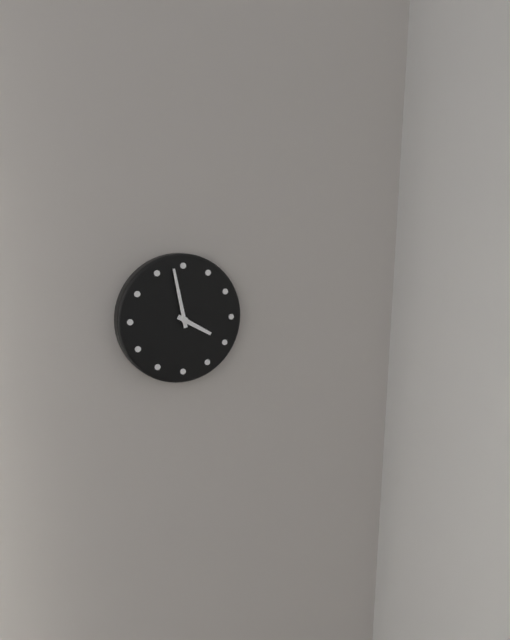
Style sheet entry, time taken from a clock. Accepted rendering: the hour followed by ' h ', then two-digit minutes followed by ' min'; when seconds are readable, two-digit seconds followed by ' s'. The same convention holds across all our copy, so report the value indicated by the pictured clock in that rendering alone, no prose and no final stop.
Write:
3 h 58 min
